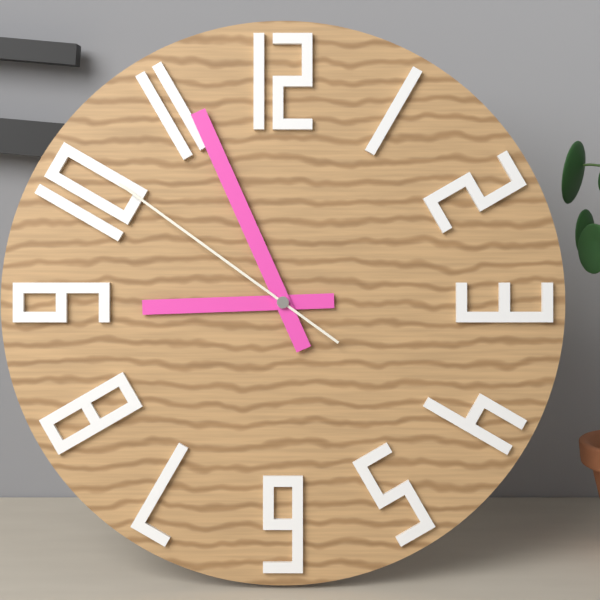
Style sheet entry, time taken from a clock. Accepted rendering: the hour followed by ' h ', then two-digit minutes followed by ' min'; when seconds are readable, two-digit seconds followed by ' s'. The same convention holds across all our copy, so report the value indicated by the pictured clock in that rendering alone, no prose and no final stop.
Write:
8 h 56 min 51 s
